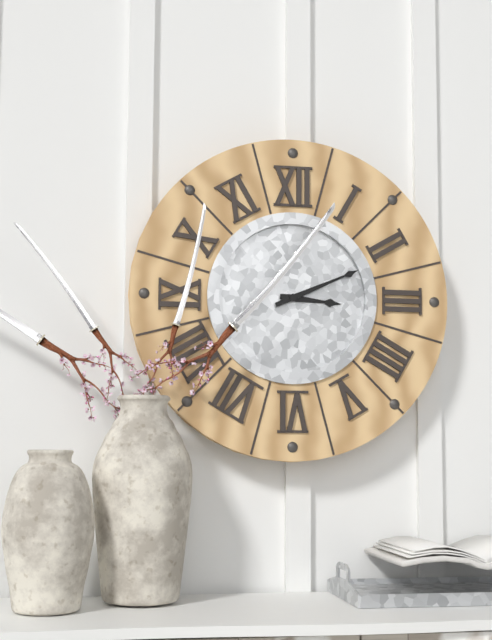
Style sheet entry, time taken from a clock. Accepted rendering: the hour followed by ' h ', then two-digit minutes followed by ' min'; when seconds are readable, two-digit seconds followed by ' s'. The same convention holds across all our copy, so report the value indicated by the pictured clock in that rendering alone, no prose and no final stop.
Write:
3 h 11 min
